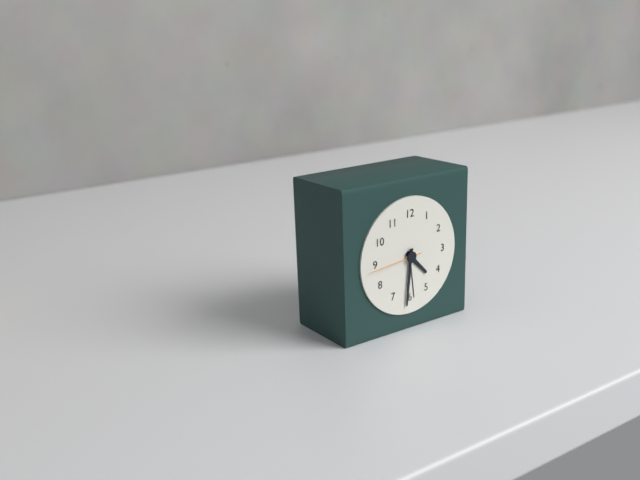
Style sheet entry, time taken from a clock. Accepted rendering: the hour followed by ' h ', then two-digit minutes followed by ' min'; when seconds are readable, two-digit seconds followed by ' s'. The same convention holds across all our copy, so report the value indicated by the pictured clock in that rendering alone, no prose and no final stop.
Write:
4 h 31 min 44 s
